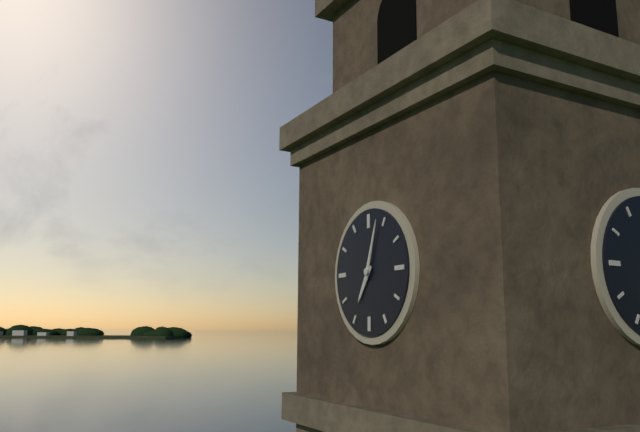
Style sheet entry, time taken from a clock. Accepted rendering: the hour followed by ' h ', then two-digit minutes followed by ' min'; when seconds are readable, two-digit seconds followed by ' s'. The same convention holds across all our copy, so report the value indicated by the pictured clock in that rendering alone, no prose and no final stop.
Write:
7 h 03 min
